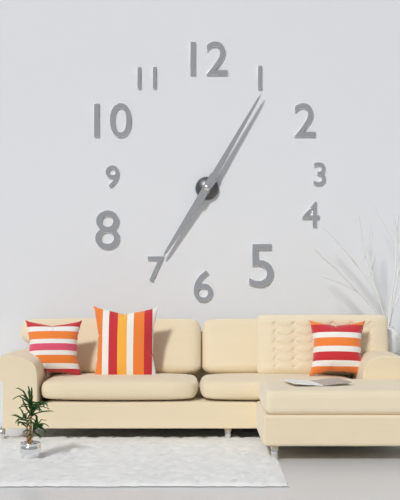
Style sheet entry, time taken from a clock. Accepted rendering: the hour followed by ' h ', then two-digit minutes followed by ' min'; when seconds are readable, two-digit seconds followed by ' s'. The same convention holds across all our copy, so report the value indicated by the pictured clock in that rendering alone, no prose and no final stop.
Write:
7 h 05 min
